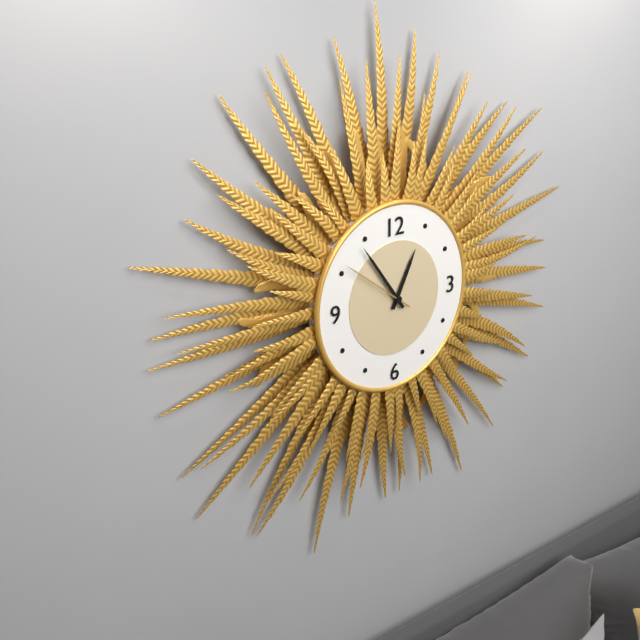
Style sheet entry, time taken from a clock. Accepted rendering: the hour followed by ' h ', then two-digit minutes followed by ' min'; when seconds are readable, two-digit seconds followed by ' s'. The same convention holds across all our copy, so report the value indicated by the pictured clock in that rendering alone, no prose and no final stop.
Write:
12 h 54 min
